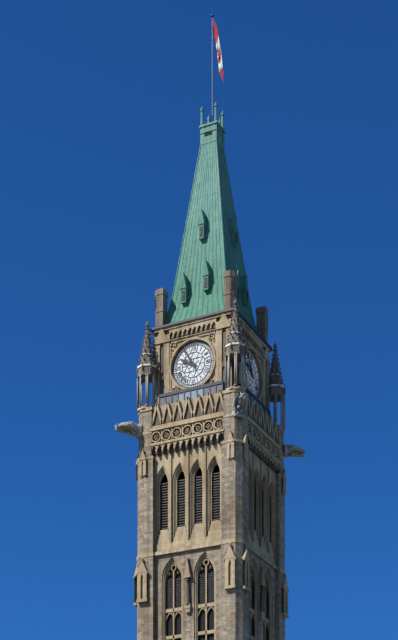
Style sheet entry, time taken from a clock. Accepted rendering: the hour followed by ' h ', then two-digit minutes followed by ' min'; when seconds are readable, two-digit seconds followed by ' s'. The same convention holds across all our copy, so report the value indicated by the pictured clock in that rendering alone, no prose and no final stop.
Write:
9 h 55 min
